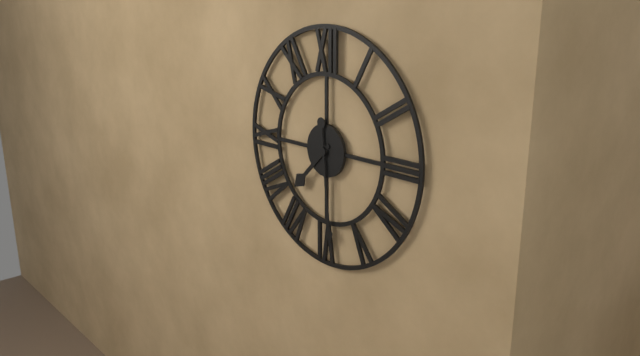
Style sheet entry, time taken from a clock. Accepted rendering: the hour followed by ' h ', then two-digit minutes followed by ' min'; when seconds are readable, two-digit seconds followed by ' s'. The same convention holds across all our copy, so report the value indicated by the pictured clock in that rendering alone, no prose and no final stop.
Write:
7 h 29 min
